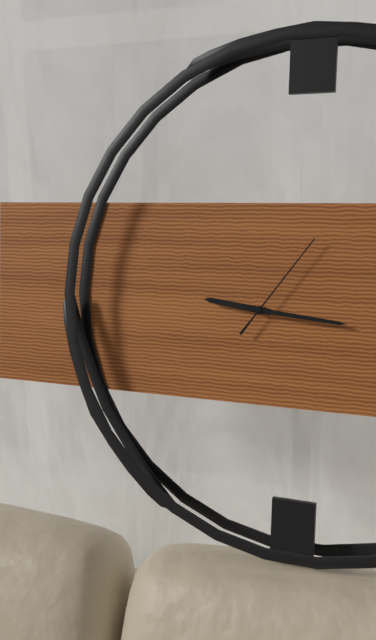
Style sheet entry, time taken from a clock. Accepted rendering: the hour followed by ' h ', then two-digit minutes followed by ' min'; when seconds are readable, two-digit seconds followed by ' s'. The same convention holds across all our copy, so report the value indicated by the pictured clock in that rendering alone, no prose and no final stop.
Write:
9 h 16 min 06 s
